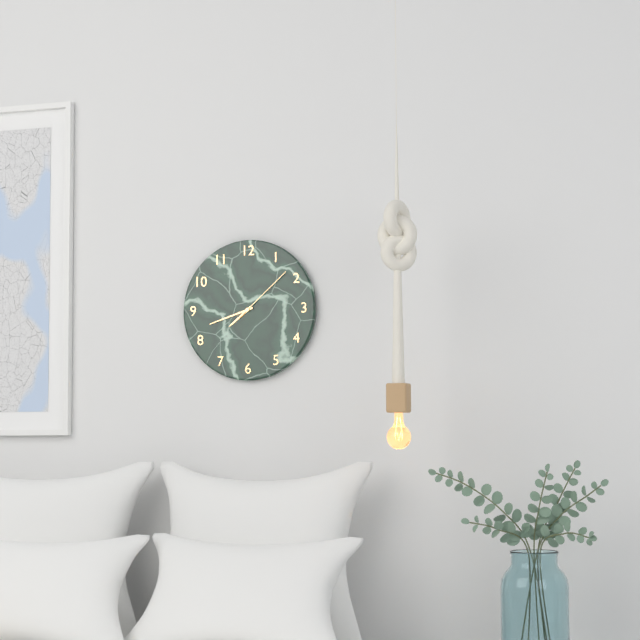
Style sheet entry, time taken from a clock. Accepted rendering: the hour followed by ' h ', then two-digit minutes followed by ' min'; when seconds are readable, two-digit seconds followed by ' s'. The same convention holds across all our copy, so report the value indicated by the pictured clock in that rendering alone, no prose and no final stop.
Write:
7 h 42 min 08 s
